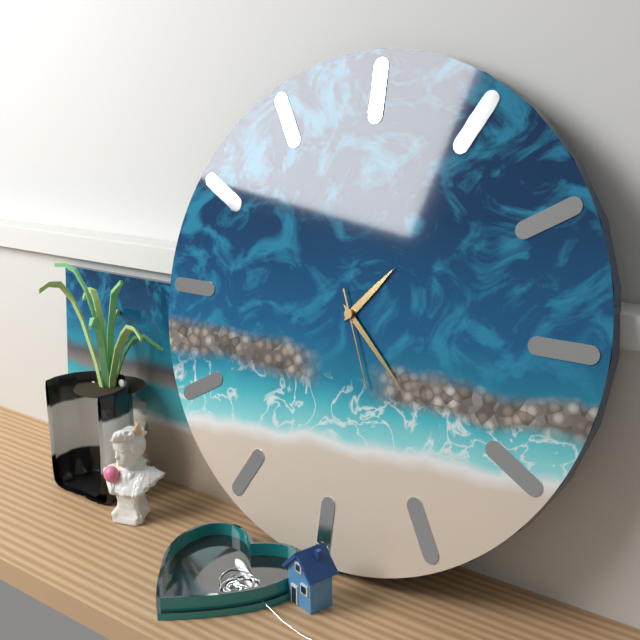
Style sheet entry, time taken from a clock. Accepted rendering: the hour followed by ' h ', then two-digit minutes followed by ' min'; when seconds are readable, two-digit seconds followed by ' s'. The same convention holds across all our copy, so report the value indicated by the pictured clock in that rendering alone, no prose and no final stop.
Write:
1 h 22 min 26 s
